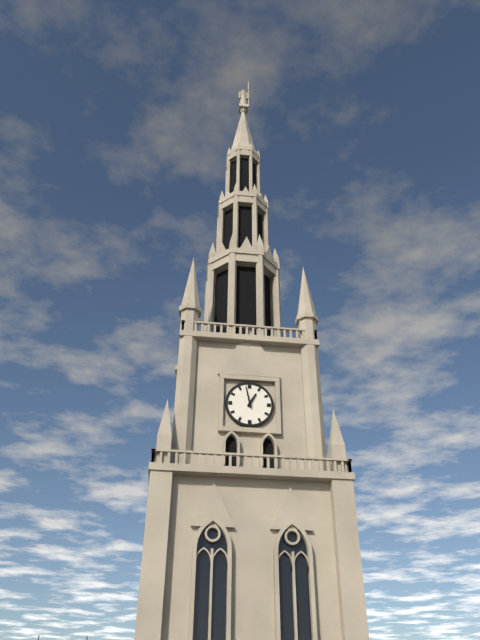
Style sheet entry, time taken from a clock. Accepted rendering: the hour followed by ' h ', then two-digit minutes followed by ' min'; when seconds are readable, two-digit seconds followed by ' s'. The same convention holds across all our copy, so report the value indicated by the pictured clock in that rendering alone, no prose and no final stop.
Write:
12 h 58 min
